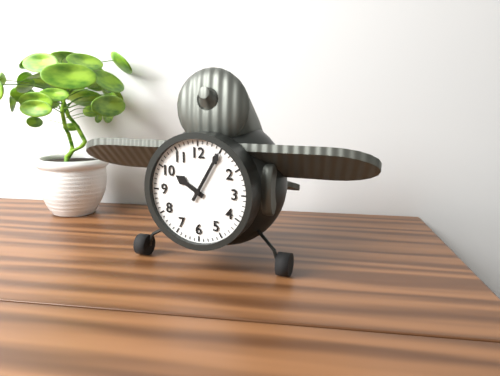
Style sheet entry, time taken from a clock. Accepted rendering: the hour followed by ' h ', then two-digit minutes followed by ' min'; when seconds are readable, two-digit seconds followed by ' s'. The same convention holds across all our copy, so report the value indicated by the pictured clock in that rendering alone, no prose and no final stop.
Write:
10 h 05 min
